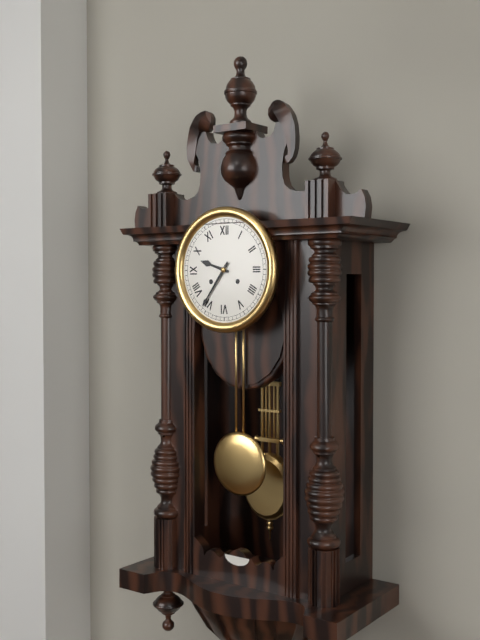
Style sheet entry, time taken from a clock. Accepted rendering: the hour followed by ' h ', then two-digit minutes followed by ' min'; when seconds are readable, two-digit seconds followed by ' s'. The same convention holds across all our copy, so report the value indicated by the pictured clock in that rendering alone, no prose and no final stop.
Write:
9 h 36 min
